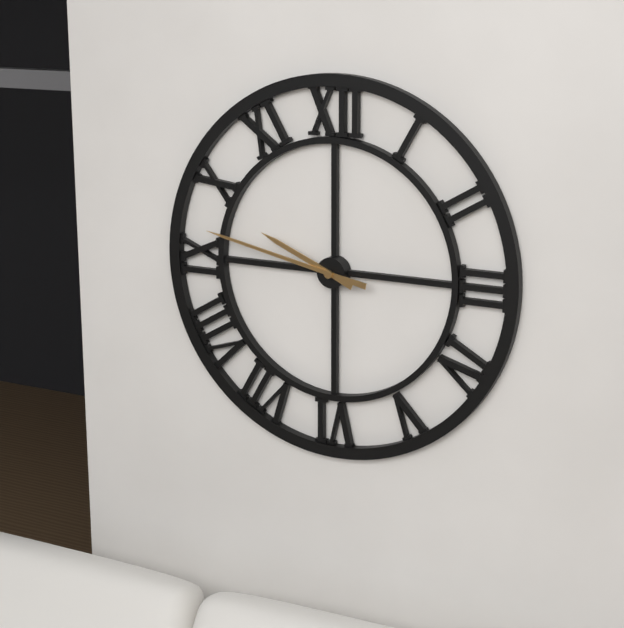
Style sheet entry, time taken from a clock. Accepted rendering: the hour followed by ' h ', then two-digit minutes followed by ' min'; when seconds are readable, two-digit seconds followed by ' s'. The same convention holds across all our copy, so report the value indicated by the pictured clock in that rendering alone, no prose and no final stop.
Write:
9 h 47 min
